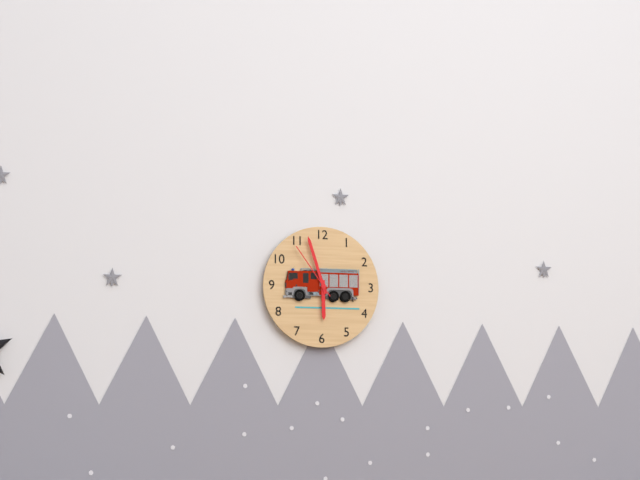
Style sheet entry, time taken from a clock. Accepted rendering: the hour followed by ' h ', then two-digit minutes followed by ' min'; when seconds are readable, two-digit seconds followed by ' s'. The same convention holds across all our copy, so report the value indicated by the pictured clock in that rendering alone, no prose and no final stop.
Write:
5 h 57 min 54 s
